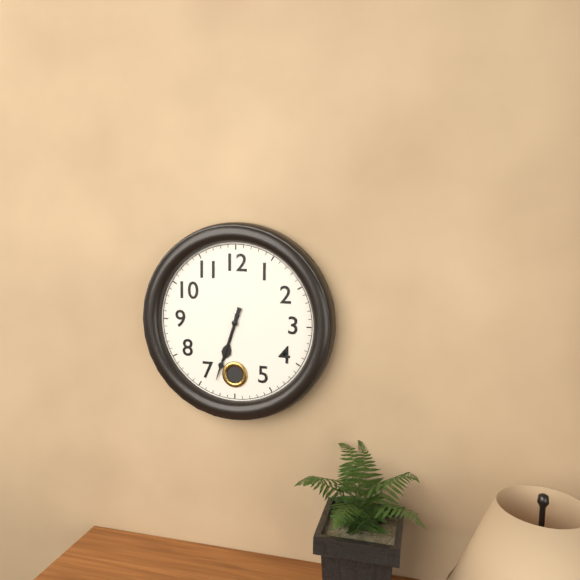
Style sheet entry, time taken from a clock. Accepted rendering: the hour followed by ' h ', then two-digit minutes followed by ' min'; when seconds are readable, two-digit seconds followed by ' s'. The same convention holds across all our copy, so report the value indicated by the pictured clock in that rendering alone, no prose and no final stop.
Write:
6 h 33 min
